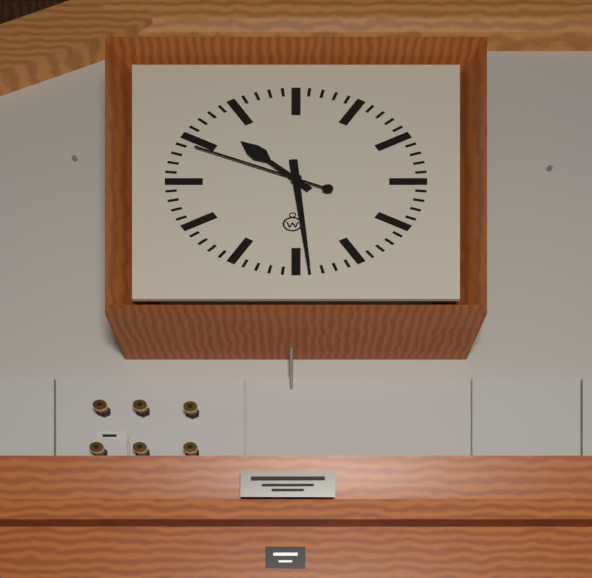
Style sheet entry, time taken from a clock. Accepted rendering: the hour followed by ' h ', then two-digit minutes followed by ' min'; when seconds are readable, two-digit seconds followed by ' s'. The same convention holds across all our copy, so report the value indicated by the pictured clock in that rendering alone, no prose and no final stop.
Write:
10 h 29 min 49 s
